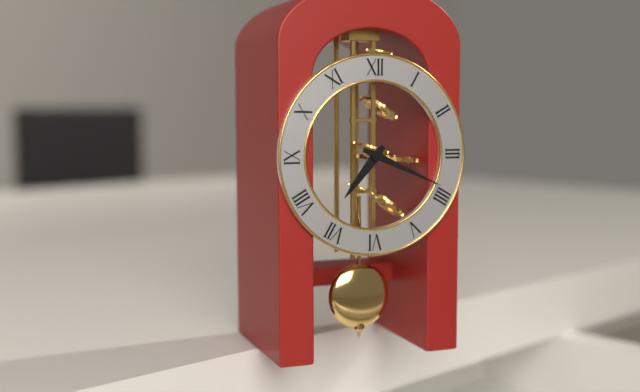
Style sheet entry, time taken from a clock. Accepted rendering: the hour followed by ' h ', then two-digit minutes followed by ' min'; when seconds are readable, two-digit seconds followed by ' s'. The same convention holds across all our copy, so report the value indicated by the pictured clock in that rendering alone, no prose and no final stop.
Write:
7 h 19 min
